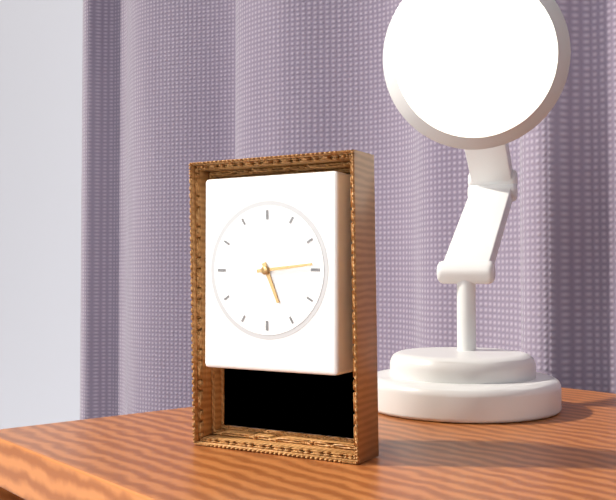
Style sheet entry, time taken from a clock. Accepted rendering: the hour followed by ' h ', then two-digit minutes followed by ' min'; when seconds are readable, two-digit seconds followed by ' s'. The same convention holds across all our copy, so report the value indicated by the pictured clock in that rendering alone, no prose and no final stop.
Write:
5 h 14 min
